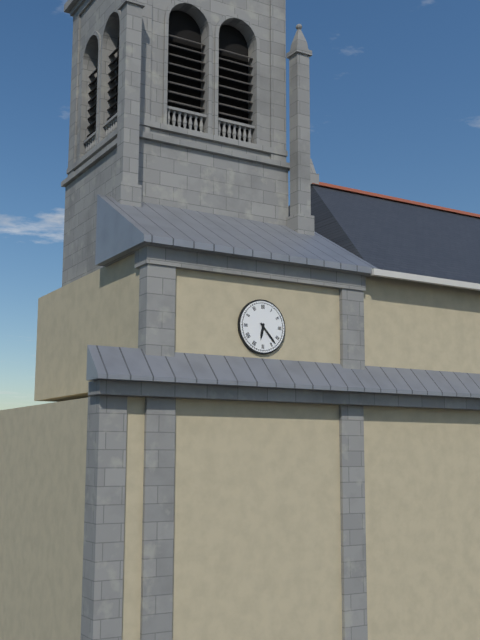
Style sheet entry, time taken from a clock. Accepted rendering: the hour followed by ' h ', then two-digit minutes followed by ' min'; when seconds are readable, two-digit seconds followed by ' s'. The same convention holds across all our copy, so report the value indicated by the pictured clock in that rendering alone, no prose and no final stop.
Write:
6 h 23 min
